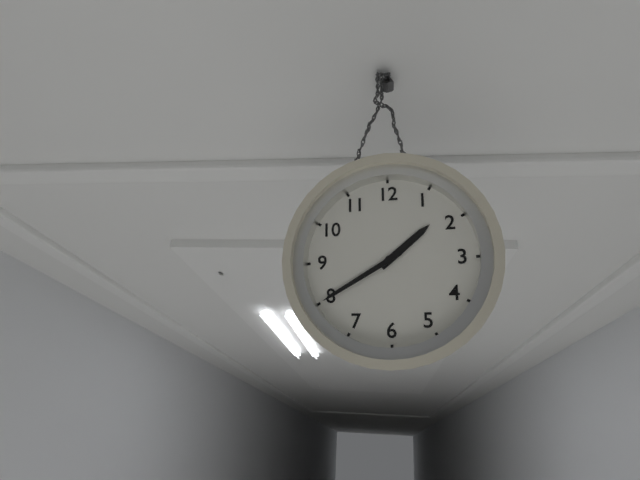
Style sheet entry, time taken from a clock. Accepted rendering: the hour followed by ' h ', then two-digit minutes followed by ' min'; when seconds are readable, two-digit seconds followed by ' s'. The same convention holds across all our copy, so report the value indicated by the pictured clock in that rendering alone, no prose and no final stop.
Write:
1 h 40 min
